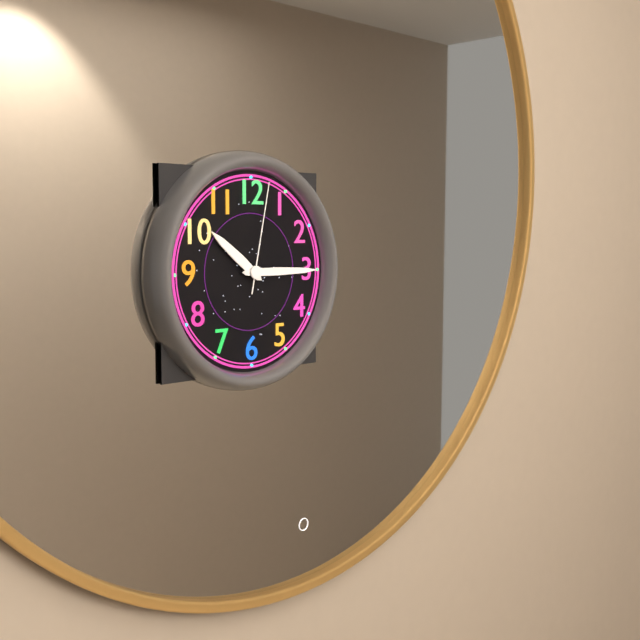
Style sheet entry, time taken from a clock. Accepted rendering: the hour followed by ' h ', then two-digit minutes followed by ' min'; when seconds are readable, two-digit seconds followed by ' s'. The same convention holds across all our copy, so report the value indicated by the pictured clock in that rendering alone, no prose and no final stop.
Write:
10 h 15 min 02 s
